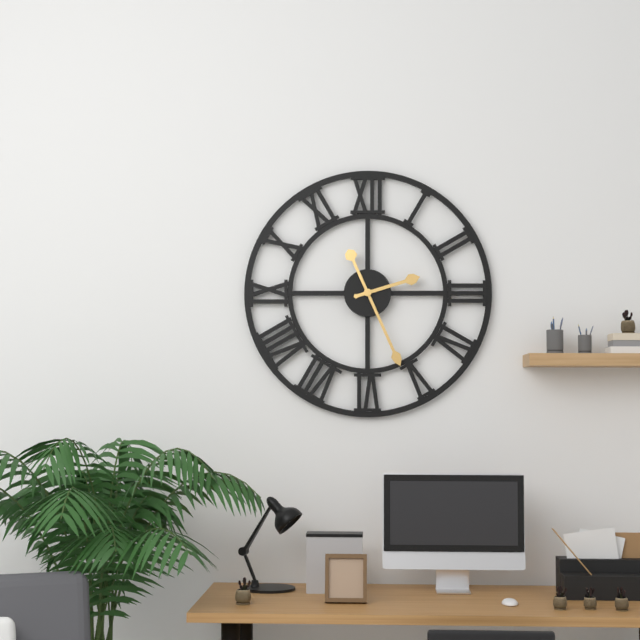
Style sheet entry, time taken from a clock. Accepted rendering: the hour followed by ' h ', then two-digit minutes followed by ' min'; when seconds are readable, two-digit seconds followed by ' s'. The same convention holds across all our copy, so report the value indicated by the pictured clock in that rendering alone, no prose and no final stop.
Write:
2 h 26 min
